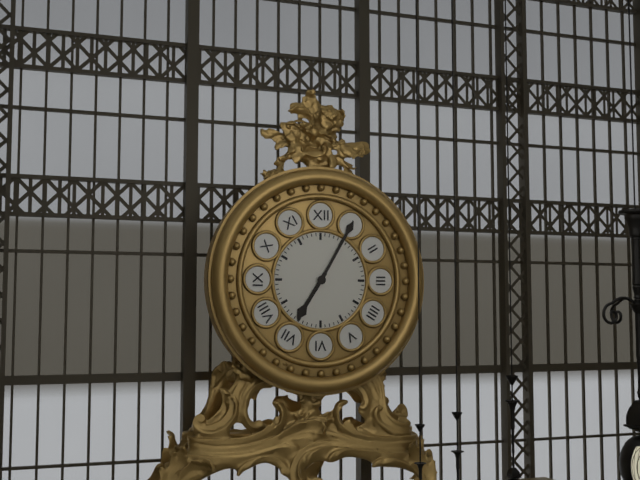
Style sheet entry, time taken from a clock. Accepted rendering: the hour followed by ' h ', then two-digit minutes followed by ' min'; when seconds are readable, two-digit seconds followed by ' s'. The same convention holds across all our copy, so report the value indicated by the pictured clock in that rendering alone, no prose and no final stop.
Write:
7 h 05 min
